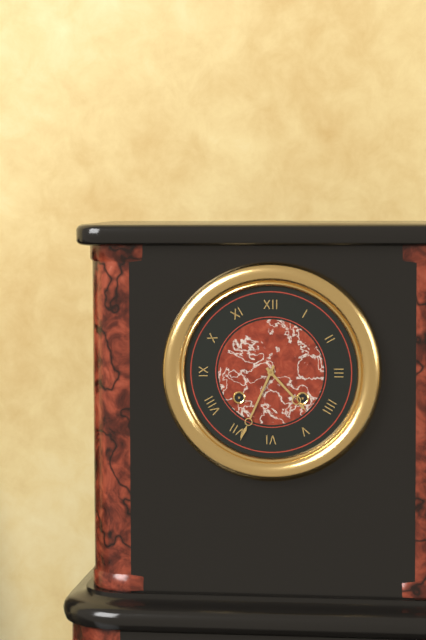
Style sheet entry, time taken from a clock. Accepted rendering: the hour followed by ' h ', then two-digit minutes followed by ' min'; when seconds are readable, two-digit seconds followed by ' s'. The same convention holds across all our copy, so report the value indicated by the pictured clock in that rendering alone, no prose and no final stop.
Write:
4 h 34 min
